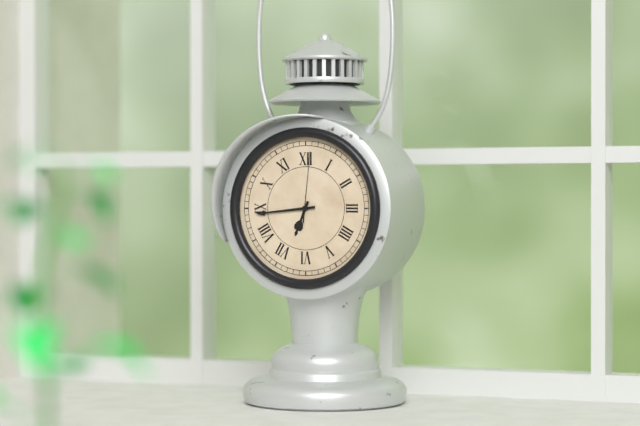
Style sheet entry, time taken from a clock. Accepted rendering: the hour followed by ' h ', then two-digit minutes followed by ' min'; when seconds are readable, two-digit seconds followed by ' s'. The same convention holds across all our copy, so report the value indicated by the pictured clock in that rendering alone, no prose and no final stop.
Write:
6 h 44 min 01 s
